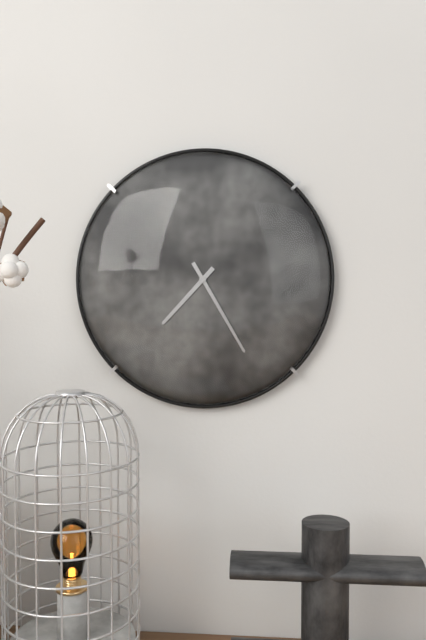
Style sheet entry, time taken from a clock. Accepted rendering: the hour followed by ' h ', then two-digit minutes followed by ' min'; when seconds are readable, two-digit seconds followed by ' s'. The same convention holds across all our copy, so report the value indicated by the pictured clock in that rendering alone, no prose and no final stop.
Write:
7 h 25 min
